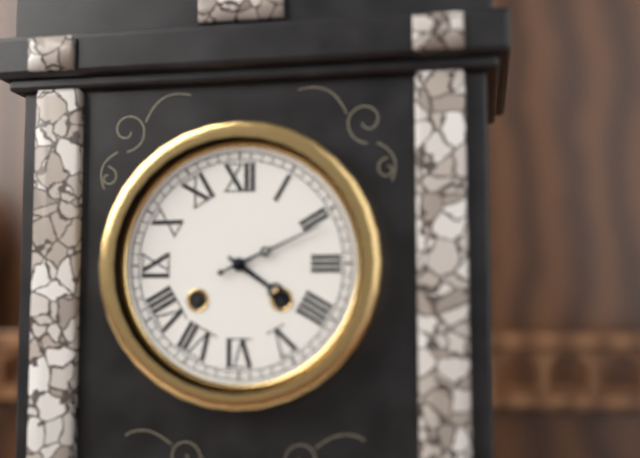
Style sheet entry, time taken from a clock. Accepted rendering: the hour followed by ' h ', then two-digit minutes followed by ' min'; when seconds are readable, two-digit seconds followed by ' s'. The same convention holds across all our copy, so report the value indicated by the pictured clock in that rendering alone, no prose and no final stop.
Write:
4 h 11 min
